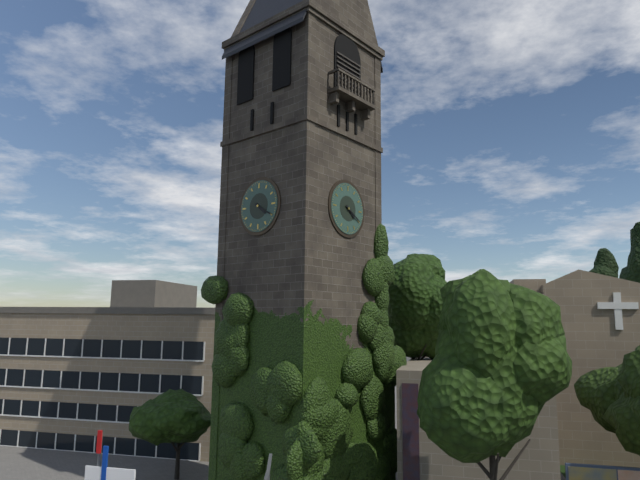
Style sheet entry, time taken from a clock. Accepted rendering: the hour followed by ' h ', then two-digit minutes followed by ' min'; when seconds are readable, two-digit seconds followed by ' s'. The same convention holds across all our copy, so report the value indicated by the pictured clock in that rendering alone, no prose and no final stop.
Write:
4 h 20 min
